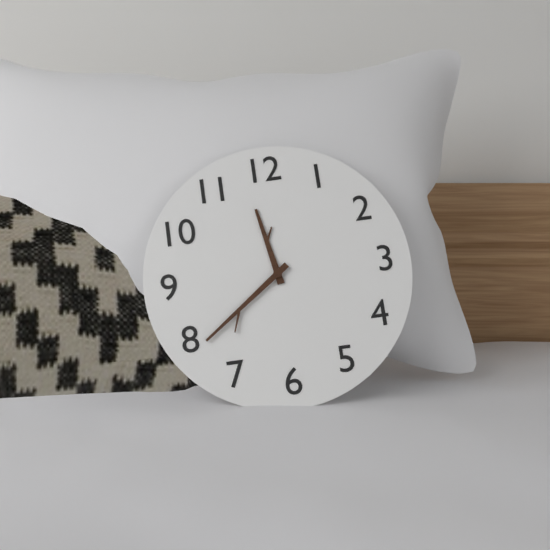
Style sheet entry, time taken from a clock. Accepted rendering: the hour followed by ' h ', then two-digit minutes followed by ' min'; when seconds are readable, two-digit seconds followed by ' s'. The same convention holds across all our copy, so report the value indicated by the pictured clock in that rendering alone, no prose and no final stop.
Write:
11 h 39 min
